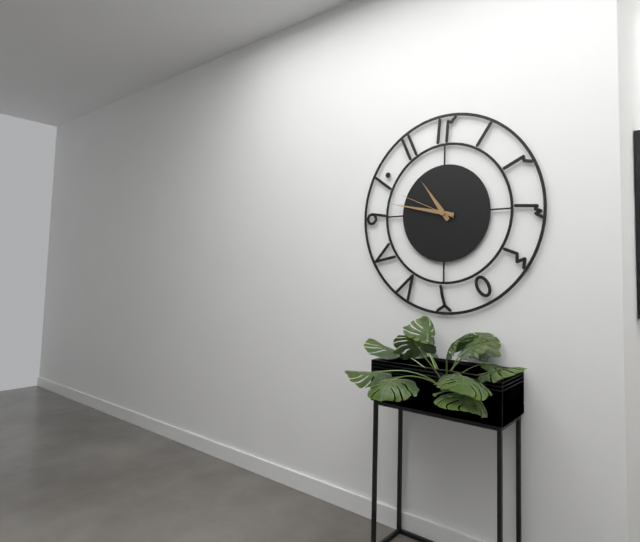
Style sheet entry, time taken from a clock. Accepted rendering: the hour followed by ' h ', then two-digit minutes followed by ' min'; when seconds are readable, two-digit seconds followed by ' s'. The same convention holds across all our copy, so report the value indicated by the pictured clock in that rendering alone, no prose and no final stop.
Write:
10 h 47 min 49 s
